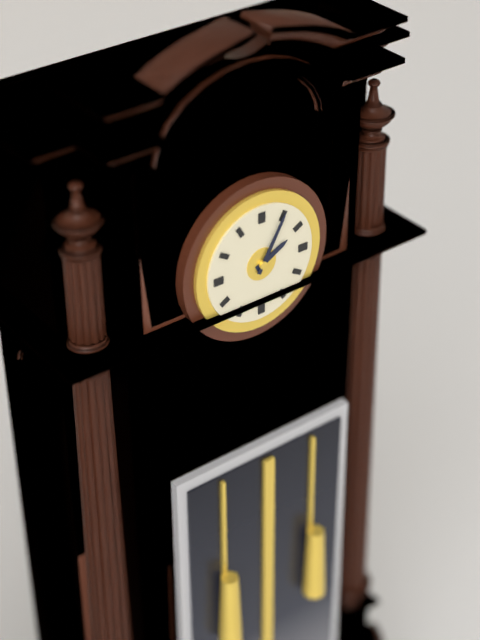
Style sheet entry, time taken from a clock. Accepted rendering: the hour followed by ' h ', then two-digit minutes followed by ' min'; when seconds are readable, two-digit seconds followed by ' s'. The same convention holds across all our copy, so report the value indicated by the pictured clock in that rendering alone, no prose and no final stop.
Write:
2 h 05 min
